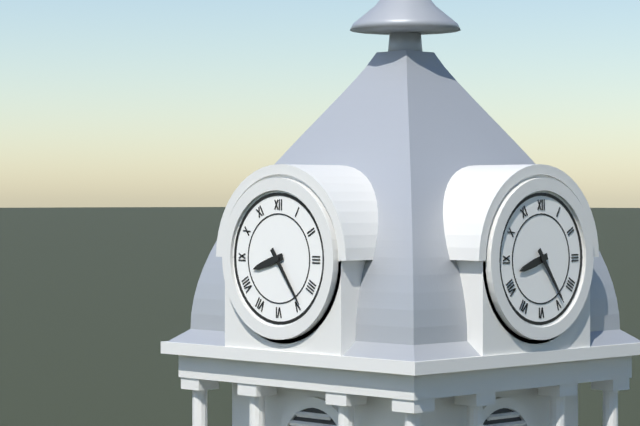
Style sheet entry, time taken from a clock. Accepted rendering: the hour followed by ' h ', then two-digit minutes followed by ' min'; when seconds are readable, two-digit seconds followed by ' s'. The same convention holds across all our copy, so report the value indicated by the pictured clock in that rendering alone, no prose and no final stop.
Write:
8 h 24 min
